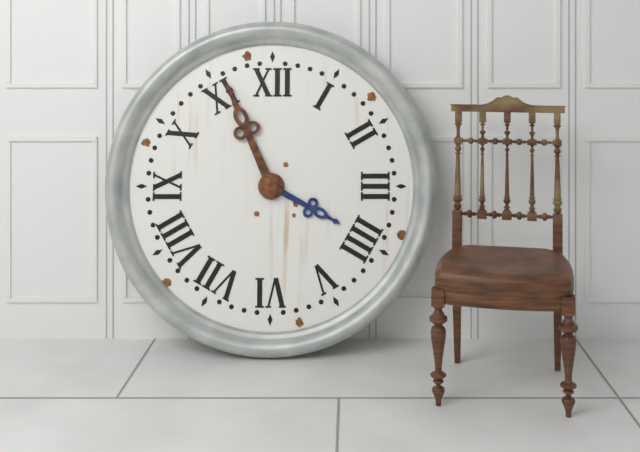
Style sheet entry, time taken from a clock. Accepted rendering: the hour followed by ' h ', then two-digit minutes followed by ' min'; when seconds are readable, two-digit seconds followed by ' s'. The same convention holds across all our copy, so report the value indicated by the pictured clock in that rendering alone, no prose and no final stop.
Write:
3 h 56 min
